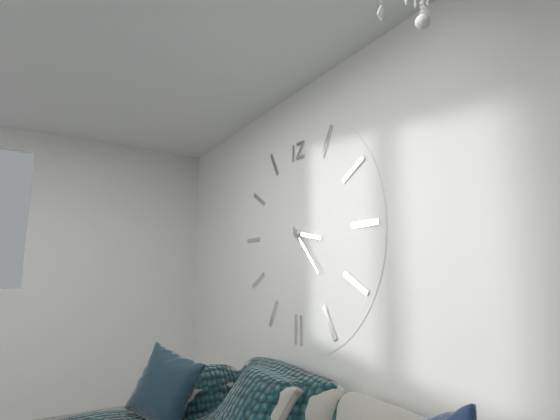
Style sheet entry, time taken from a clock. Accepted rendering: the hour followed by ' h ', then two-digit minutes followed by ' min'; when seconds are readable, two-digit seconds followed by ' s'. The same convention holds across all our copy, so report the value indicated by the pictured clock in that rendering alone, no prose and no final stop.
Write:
3 h 23 min
